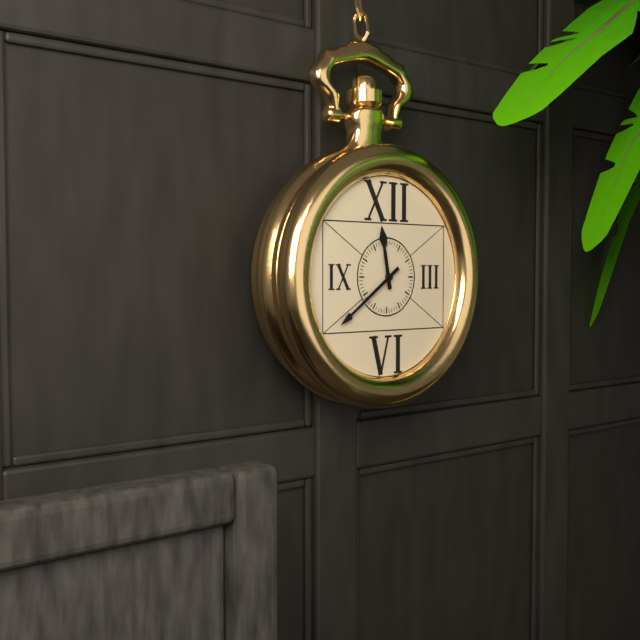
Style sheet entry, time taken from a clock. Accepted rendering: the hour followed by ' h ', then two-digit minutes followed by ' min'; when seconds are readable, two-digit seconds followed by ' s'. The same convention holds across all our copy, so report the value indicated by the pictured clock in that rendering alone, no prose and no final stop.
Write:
11 h 39 min
